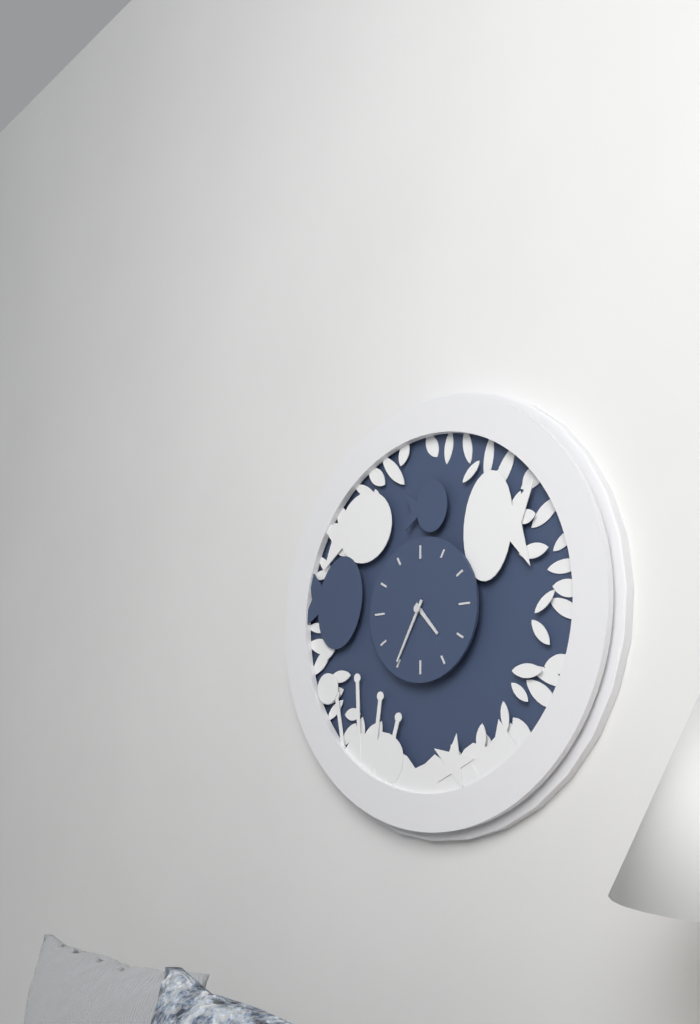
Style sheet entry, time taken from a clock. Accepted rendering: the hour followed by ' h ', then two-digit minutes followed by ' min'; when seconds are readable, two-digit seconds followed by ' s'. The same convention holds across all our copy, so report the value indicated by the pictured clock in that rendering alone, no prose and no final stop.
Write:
4 h 35 min
